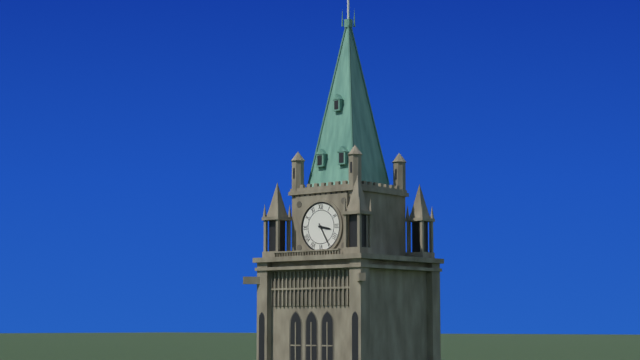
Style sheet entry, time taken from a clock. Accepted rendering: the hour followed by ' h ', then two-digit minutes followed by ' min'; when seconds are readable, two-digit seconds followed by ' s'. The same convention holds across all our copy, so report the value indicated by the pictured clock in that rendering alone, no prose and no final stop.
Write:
3 h 25 min
